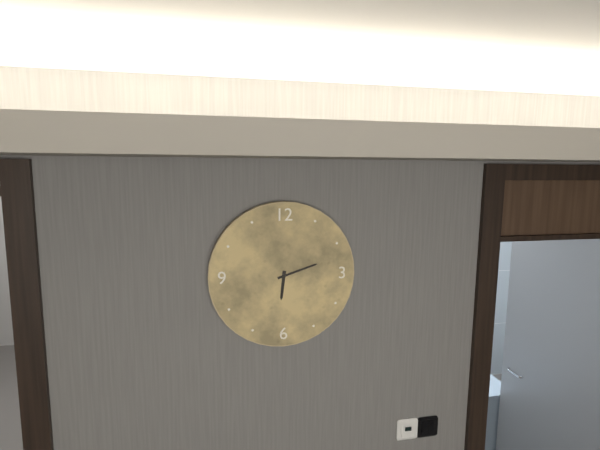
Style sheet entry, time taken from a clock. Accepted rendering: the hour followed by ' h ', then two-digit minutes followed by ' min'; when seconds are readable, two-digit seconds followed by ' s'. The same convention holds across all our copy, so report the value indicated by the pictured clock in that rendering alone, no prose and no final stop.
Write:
6 h 12 min
